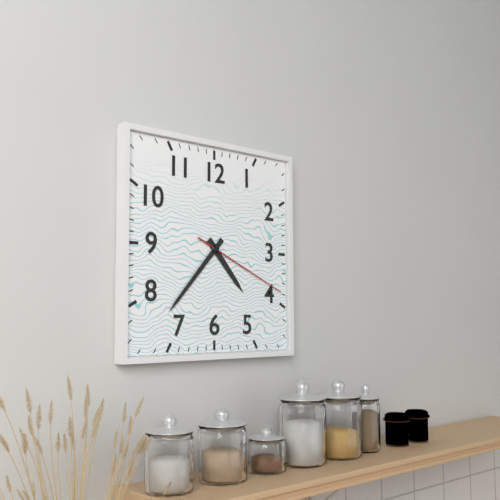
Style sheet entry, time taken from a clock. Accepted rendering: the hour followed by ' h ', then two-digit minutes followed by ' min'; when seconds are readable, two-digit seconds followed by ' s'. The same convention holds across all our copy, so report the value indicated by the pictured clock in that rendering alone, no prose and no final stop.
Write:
4 h 37 min 19 s
